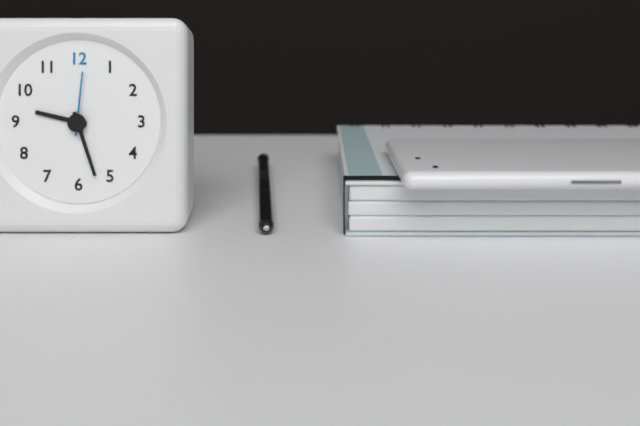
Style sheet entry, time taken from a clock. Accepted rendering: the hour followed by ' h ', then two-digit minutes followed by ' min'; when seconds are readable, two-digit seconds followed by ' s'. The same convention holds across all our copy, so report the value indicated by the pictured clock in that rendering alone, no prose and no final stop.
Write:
9 h 27 min 01 s
